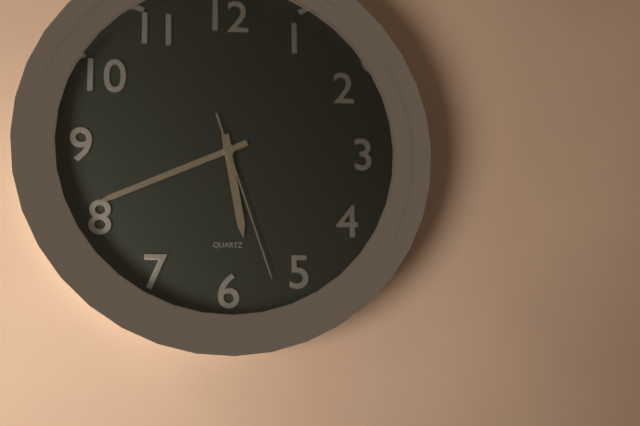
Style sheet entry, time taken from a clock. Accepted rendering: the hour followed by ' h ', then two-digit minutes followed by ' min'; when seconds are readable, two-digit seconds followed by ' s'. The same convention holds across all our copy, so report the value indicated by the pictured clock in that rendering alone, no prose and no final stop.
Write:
5 h 41 min 27 s
